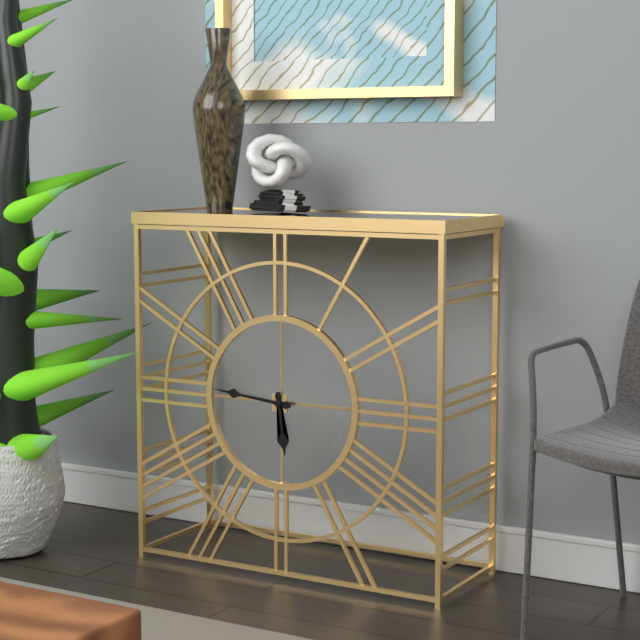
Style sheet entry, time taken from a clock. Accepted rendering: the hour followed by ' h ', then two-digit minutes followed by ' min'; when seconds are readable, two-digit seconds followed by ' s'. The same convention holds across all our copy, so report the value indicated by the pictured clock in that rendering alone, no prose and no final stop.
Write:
5 h 46 min
